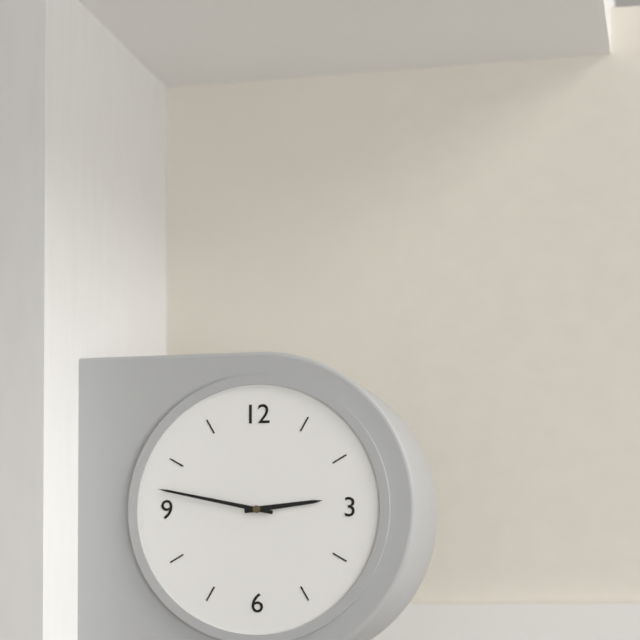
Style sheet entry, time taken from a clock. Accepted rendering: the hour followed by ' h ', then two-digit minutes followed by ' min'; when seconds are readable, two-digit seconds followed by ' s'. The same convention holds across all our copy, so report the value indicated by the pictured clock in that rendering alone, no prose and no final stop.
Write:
2 h 47 min
